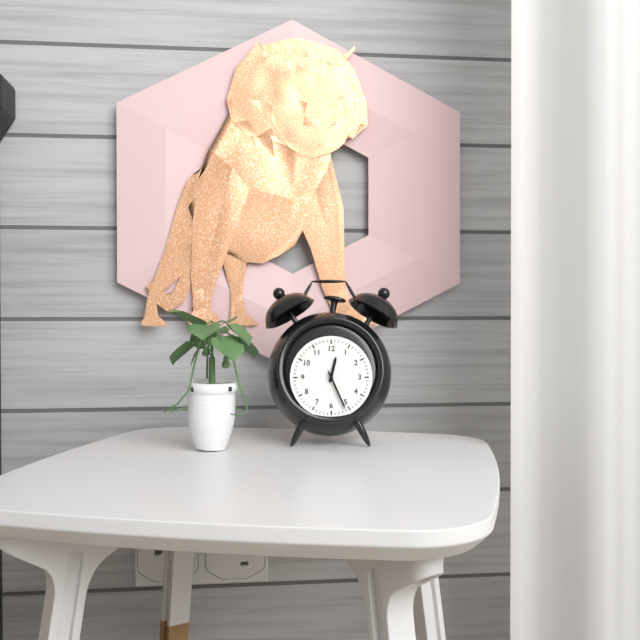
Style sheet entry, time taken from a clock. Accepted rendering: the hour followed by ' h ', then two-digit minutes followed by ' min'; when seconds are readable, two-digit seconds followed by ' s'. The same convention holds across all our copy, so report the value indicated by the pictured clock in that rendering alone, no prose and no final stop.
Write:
12 h 26 min
